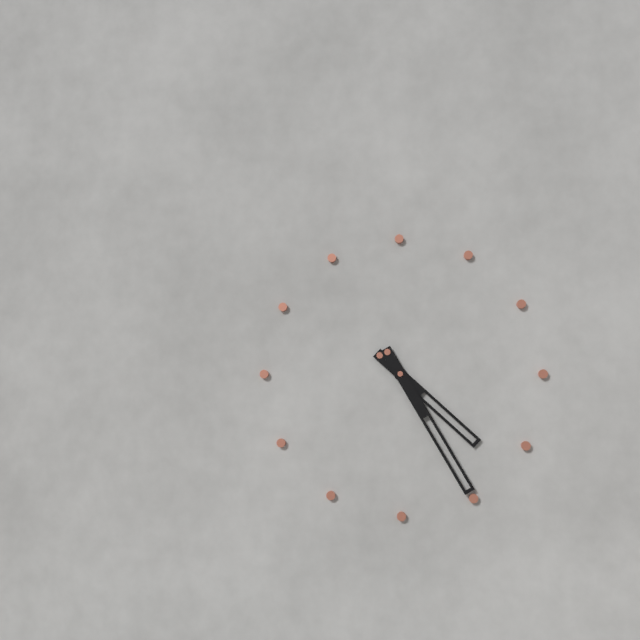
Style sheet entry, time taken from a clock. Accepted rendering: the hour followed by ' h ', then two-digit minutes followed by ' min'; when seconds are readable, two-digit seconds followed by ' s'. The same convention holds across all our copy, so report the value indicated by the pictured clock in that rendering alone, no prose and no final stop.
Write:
4 h 25 min
